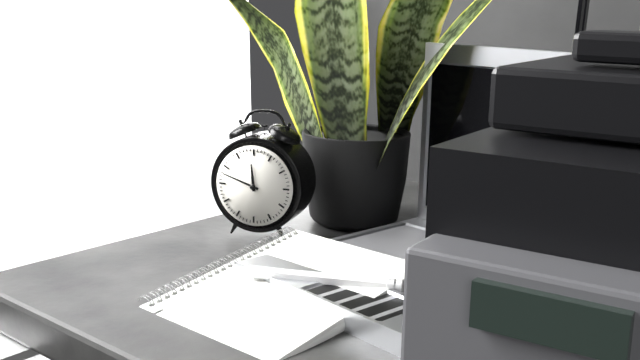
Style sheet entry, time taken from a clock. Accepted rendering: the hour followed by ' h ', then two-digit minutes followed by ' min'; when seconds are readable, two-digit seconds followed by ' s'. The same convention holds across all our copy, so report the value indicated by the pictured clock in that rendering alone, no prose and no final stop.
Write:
11 h 48 min
